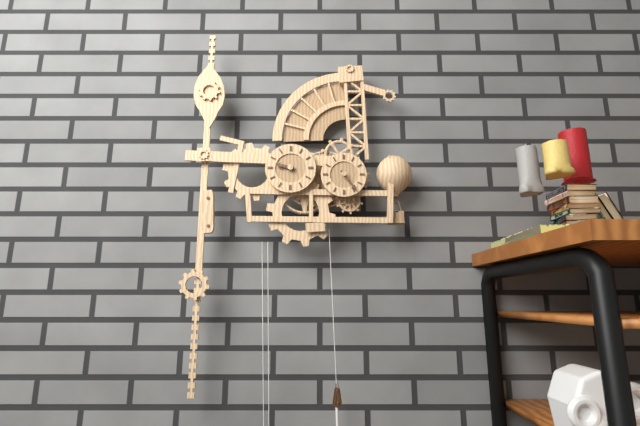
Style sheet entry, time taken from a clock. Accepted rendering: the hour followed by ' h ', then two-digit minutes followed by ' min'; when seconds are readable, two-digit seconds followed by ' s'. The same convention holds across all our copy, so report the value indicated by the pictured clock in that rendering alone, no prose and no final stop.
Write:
9 h 24 min
